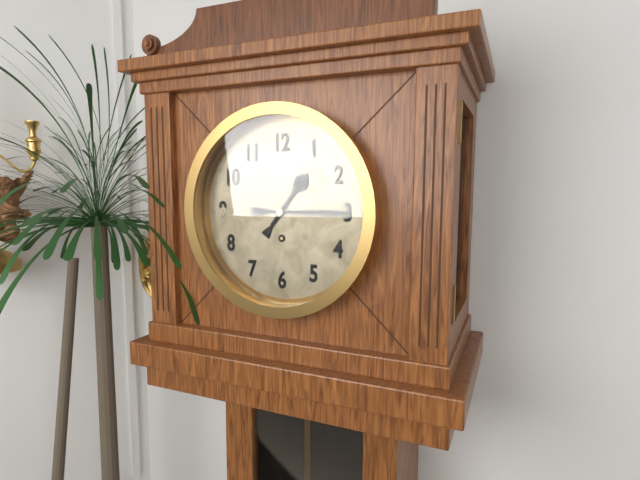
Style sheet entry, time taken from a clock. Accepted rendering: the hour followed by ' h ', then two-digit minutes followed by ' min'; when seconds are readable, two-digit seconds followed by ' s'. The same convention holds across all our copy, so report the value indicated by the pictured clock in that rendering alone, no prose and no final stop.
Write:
1 h 15 min
